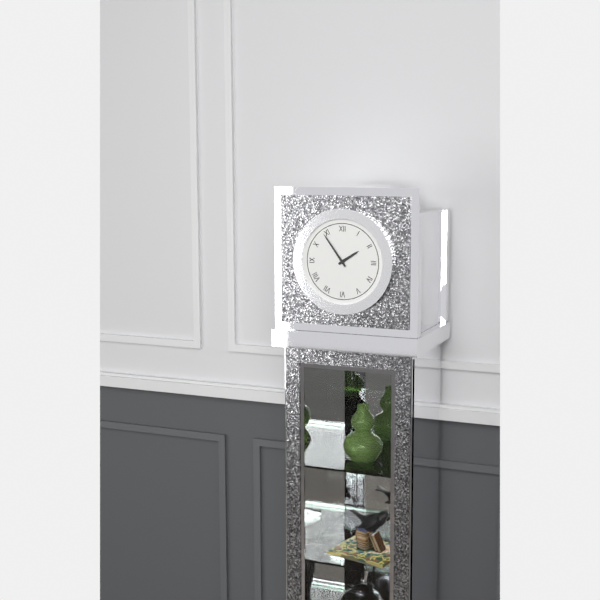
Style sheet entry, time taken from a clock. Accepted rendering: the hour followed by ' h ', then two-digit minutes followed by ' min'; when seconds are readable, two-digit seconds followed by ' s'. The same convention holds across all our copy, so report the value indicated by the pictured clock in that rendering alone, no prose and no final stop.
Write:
1 h 54 min
